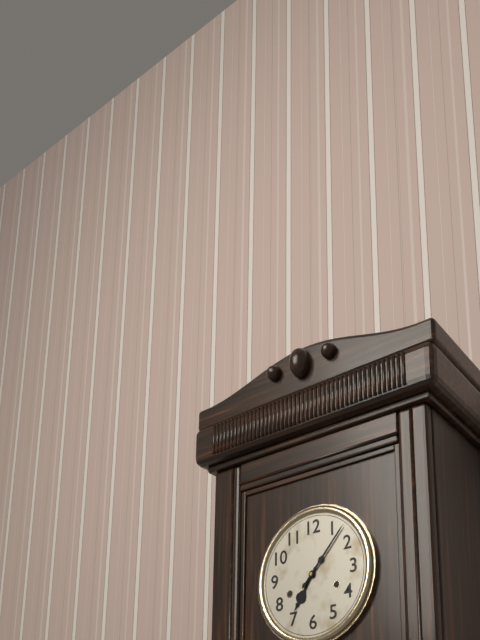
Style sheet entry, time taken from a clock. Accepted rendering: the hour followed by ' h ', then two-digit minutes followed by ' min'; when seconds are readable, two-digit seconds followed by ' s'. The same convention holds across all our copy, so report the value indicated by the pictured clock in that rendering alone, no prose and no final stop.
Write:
7 h 07 min
